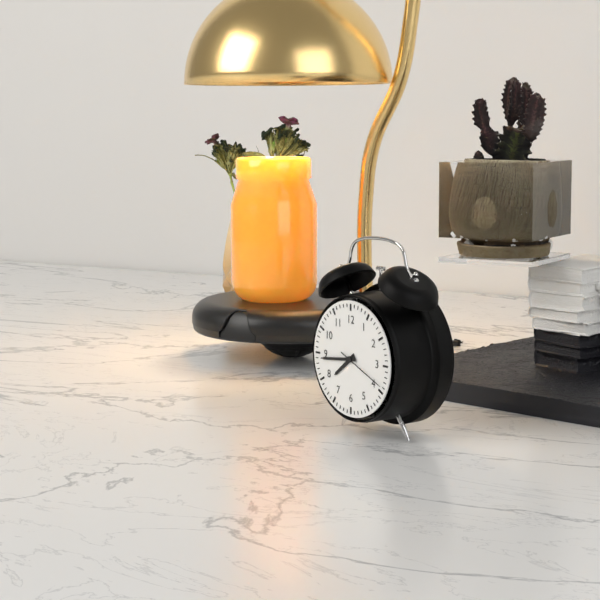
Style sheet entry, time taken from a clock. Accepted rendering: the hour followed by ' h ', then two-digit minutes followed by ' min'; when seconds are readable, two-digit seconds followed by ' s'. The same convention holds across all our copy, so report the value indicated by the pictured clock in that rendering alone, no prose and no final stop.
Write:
7 h 44 min
